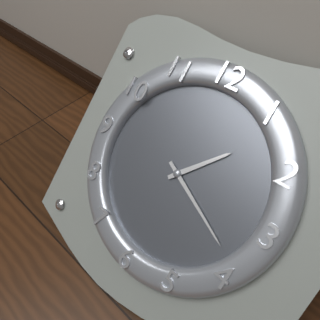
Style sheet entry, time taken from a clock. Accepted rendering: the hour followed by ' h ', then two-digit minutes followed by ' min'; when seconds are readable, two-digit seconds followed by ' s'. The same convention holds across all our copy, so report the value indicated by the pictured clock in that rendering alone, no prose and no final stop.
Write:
1 h 19 min
